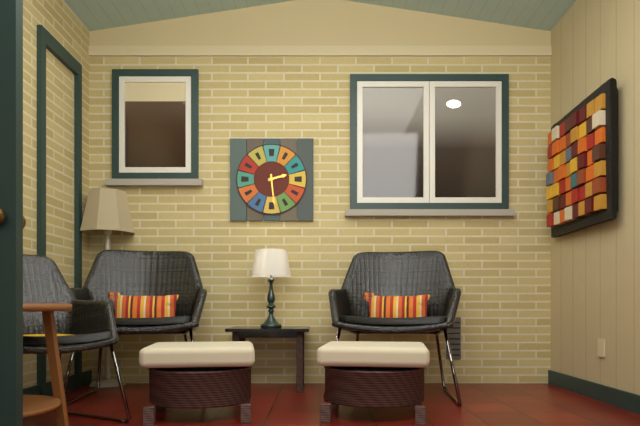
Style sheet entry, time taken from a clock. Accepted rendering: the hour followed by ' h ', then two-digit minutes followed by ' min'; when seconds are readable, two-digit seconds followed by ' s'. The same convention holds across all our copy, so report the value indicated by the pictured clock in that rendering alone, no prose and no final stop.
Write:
2 h 29 min
